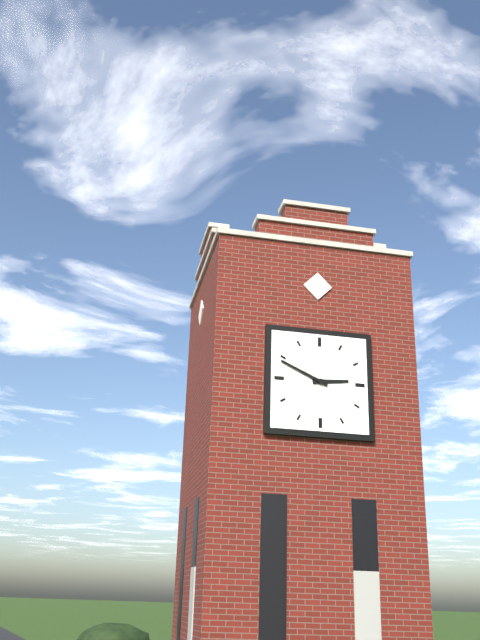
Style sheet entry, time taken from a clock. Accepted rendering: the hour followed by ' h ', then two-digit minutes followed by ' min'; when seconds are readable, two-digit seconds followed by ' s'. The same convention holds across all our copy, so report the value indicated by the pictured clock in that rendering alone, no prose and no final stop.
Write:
2 h 49 min
